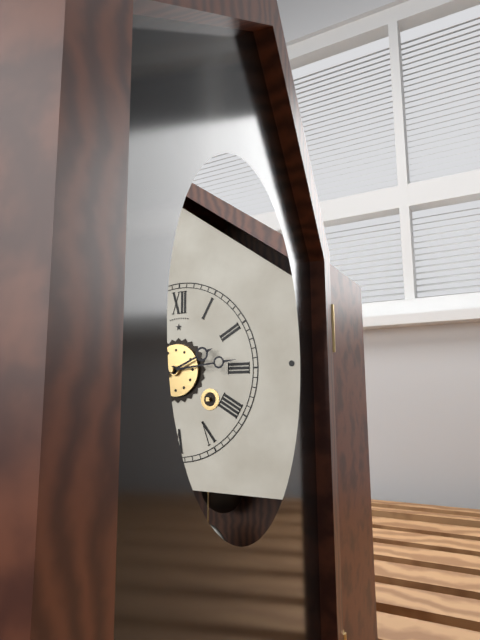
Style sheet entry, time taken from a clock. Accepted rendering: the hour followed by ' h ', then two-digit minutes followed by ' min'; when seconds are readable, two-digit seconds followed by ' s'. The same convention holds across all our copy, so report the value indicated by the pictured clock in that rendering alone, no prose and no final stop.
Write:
2 h 14 min
